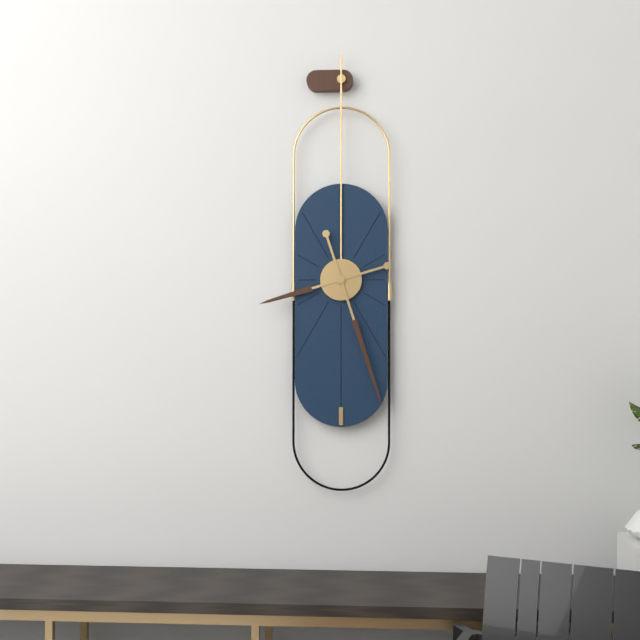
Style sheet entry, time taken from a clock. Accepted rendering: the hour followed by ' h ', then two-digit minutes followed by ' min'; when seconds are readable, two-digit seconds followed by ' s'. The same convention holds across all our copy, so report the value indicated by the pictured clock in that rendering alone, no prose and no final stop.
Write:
8 h 27 min
